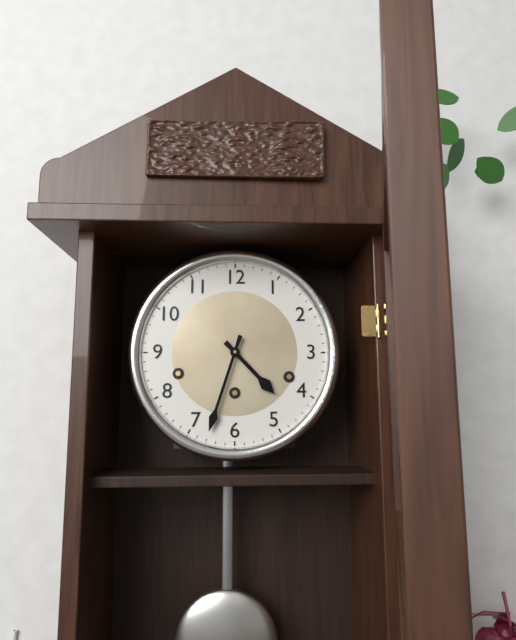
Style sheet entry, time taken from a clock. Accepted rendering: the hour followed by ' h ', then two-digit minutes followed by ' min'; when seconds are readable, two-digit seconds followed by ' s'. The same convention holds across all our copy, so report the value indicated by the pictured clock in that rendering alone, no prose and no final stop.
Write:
4 h 33 min
